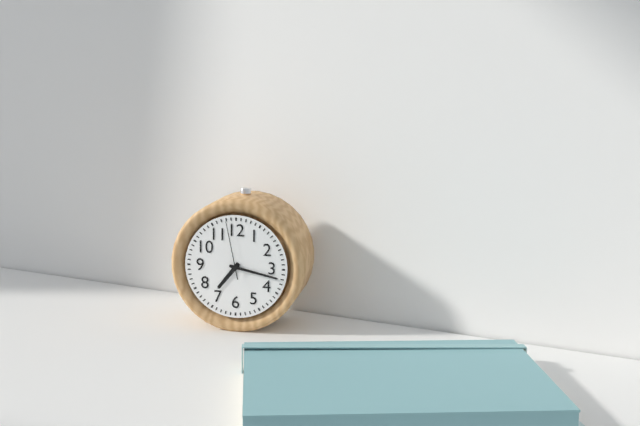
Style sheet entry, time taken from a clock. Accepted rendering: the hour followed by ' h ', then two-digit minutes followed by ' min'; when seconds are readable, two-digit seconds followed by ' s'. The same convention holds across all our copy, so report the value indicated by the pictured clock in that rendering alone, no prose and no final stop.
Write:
7 h 17 min 58 s
